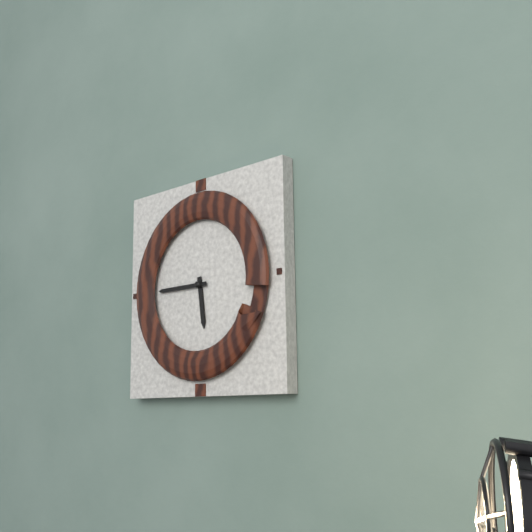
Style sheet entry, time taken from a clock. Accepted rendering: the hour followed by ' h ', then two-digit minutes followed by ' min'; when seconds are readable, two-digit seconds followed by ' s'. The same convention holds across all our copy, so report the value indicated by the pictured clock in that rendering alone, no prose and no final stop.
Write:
5 h 45 min
